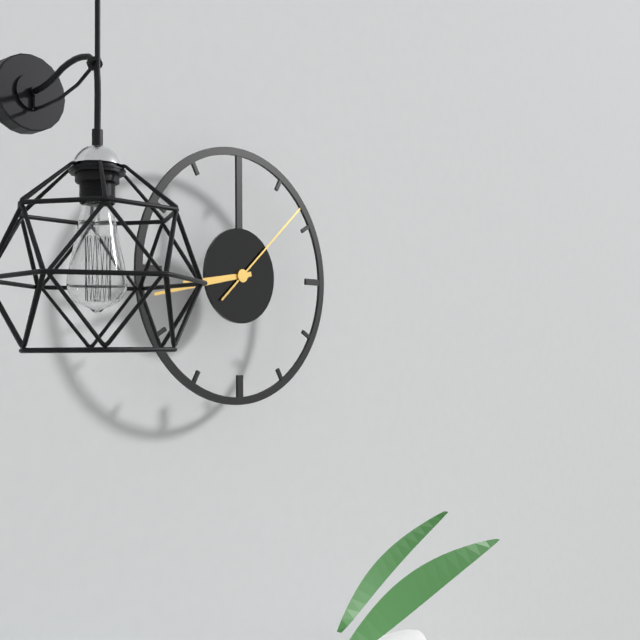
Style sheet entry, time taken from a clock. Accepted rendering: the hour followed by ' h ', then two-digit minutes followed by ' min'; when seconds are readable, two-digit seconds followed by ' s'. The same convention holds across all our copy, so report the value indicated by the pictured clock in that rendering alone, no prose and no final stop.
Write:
8 h 43 min 08 s
